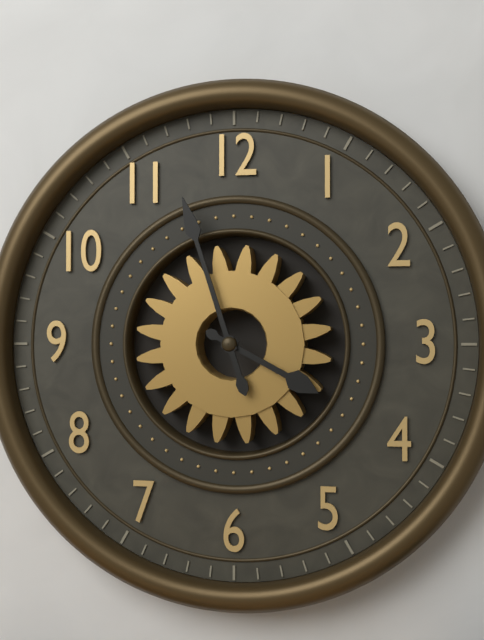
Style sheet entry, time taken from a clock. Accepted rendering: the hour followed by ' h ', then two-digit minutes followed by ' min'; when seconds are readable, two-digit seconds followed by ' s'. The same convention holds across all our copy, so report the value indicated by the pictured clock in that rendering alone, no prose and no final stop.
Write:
3 h 57 min
